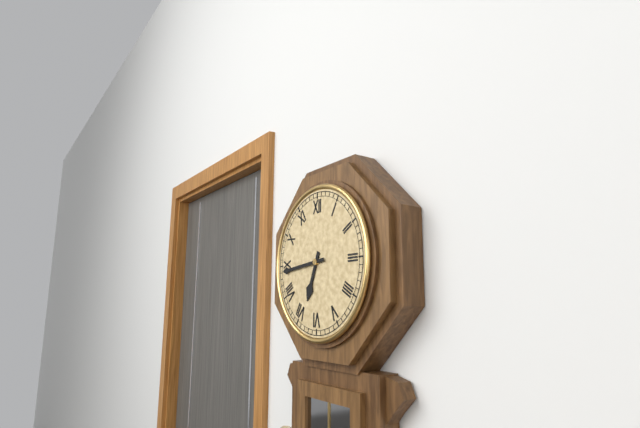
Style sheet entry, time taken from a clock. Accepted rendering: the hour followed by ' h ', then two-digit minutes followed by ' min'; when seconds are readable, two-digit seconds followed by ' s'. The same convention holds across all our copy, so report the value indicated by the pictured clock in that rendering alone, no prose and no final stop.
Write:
6 h 44 min
